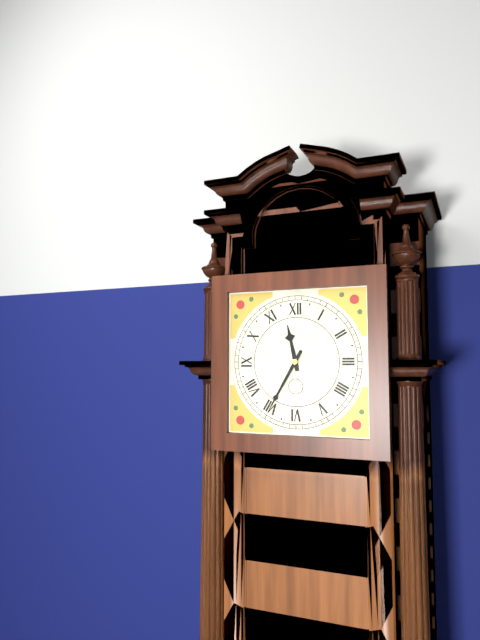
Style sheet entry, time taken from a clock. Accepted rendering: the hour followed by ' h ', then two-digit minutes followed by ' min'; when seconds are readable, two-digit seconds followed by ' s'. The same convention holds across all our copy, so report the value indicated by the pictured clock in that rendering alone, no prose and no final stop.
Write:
11 h 35 min
